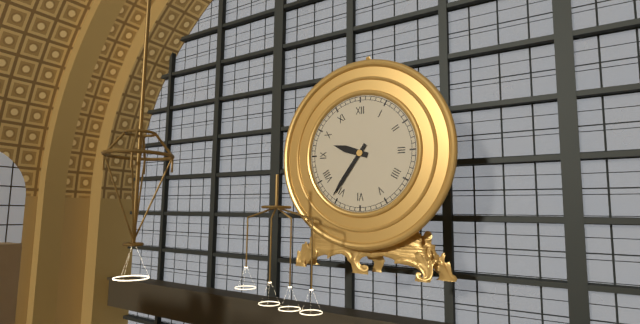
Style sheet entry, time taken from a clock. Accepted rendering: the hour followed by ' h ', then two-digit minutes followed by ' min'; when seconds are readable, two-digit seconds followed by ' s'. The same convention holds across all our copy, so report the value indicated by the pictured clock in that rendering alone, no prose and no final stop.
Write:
9 h 36 min
